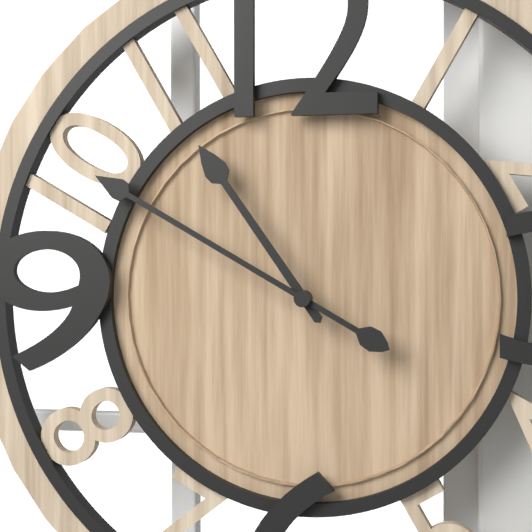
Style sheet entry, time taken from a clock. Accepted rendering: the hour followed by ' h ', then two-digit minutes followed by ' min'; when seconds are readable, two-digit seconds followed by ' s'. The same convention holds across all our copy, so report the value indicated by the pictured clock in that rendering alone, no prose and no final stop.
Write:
10 h 50 min
